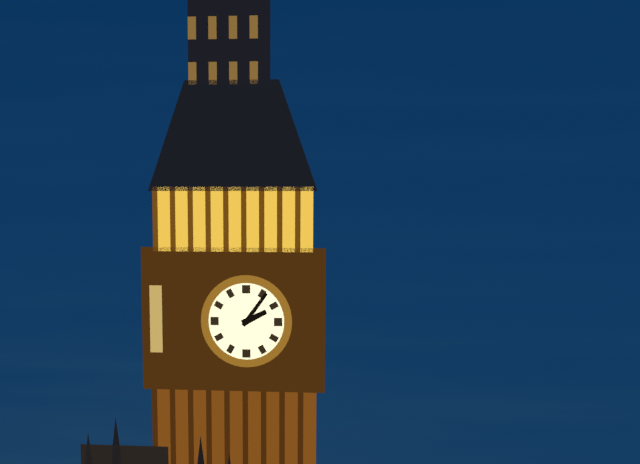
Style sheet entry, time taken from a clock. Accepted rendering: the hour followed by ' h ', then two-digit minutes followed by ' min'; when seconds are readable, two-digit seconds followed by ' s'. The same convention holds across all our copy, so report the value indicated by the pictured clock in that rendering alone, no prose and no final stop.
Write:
2 h 06 min
